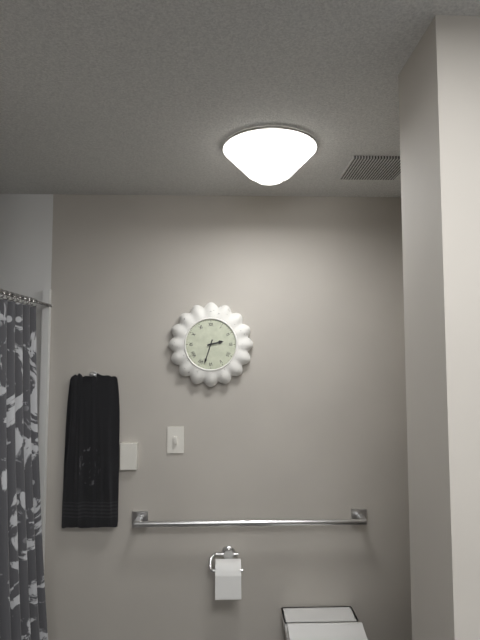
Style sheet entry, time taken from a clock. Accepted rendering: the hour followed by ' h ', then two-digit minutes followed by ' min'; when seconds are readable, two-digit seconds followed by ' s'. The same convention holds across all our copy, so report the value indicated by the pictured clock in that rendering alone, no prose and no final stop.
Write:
2 h 33 min
